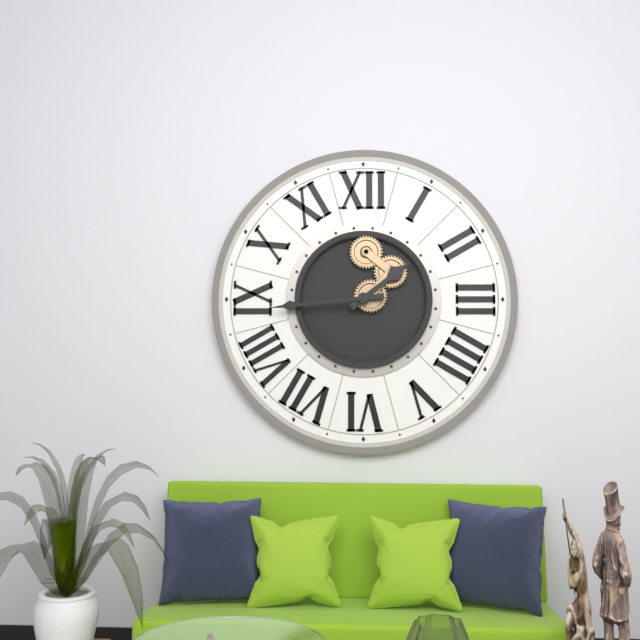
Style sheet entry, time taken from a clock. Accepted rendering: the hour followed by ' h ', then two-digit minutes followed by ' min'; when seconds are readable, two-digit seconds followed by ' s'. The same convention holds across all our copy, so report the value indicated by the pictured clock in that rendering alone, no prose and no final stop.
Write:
1 h 44 min
